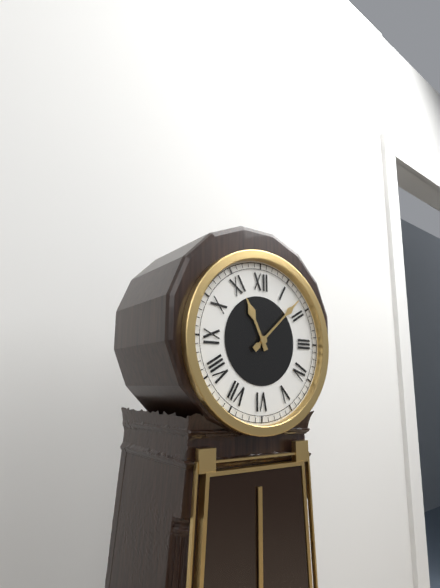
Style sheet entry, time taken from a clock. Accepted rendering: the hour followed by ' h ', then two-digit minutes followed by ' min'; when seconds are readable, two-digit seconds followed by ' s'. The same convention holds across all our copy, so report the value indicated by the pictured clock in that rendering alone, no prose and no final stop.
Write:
11 h 08 min
